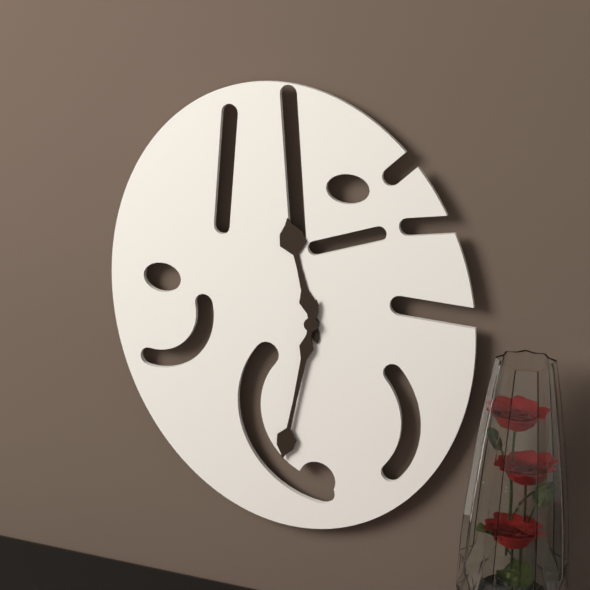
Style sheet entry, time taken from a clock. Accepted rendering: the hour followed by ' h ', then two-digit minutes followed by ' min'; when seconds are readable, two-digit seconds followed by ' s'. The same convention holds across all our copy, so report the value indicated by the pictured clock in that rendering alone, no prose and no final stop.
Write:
11 h 32 min
